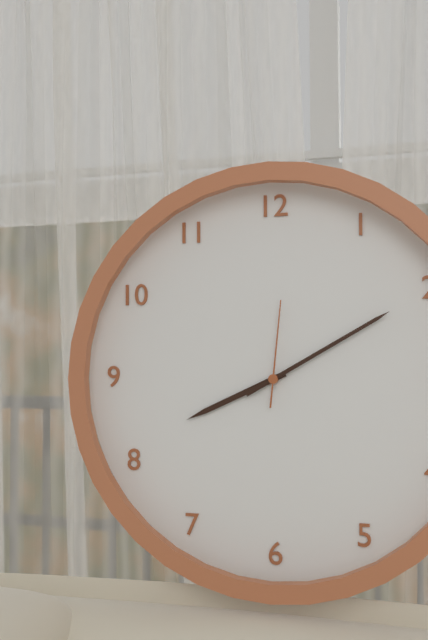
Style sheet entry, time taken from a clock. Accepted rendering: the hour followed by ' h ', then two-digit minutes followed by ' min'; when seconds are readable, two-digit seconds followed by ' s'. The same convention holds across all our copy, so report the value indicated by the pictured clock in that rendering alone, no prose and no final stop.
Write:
8 h 10 min 01 s
